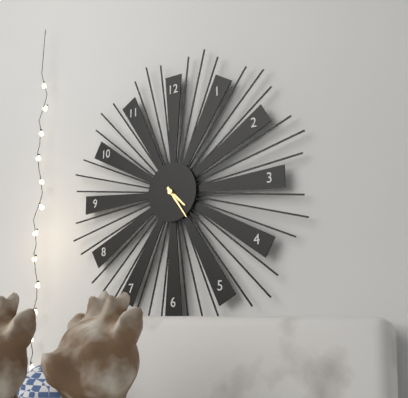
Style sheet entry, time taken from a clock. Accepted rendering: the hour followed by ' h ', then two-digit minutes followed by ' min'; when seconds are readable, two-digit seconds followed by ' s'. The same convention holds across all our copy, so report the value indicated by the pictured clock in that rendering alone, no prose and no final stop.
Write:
4 h 24 min
